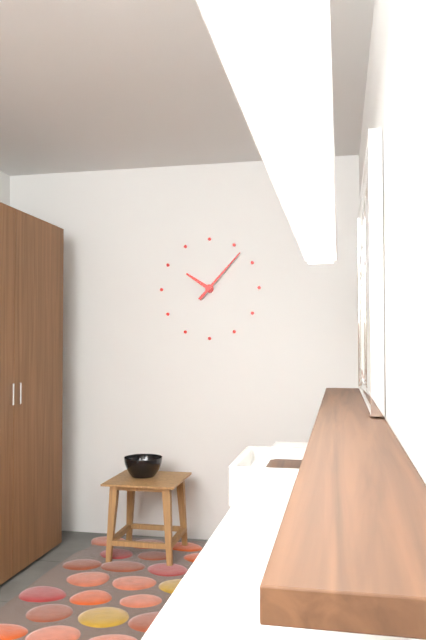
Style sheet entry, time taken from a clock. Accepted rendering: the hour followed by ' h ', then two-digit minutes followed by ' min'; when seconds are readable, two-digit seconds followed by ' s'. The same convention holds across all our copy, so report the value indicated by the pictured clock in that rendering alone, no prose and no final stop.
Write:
10 h 07 min
